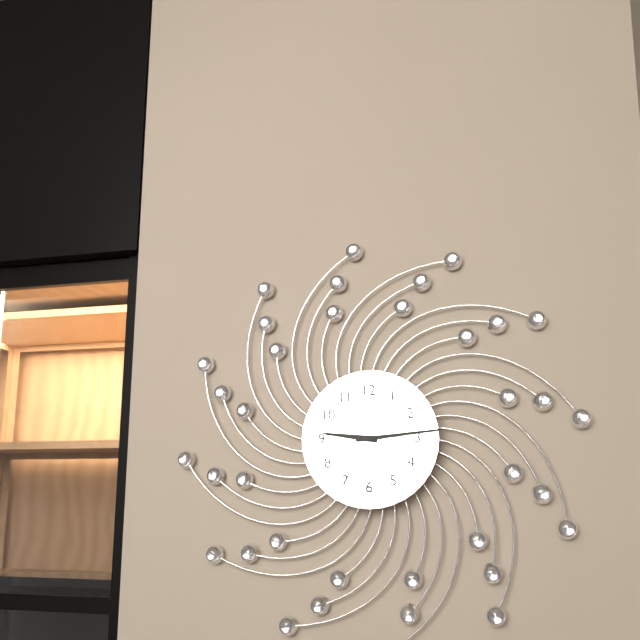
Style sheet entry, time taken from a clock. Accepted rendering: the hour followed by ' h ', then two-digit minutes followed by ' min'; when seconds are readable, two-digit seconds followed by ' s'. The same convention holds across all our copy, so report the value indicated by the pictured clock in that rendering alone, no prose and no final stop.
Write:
9 h 14 min
